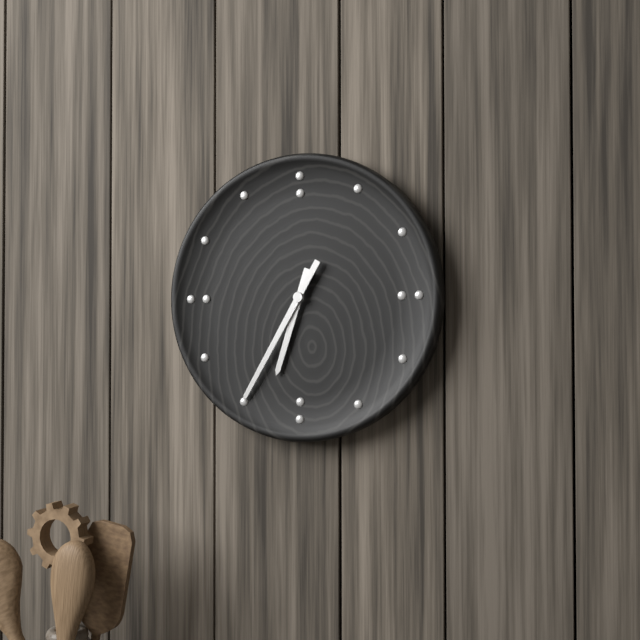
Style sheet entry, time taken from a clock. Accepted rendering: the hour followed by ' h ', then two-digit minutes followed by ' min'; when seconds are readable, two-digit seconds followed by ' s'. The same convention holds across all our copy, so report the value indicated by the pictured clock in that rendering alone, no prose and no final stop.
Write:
6 h 35 min
